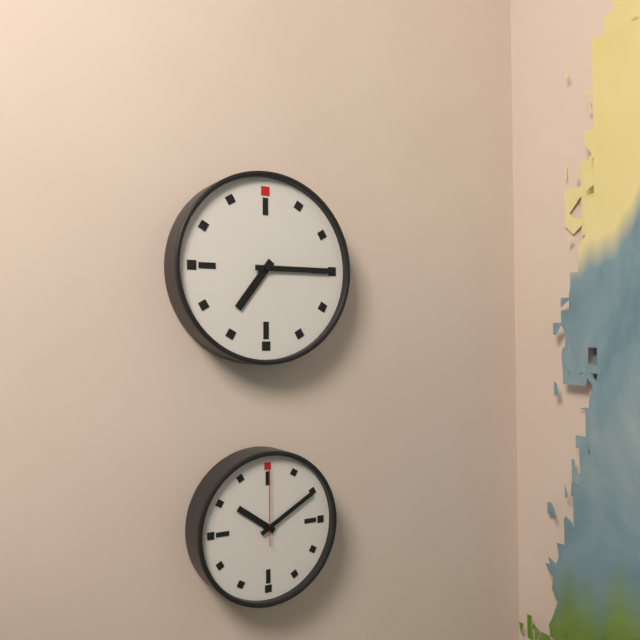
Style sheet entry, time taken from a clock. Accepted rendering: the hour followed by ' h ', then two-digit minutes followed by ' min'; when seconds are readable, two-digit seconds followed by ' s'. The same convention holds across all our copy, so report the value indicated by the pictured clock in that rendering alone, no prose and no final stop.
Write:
7 h 15 min
